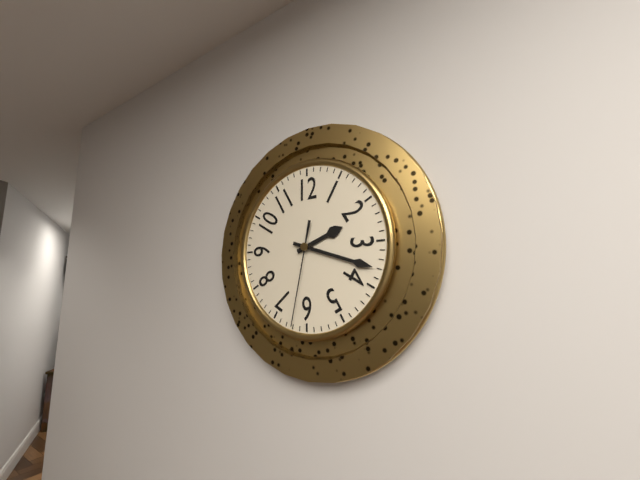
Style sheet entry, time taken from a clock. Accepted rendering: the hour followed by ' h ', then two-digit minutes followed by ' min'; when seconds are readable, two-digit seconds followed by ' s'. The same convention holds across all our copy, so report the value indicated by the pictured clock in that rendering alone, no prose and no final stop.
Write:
2 h 18 min 32 s
